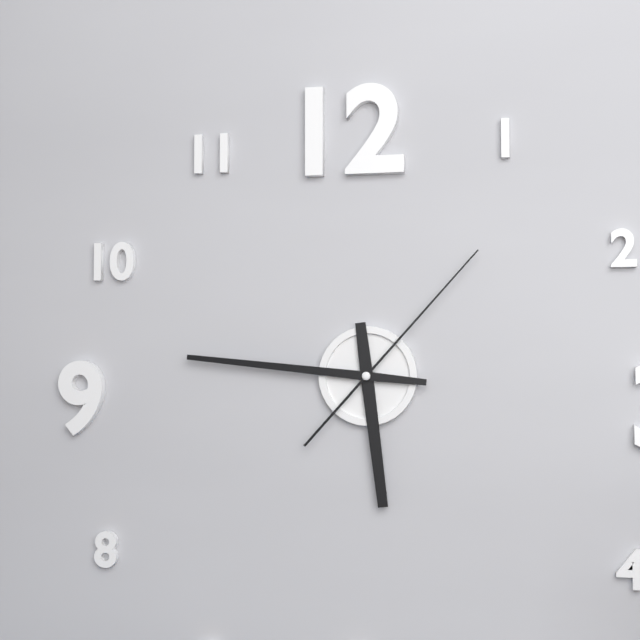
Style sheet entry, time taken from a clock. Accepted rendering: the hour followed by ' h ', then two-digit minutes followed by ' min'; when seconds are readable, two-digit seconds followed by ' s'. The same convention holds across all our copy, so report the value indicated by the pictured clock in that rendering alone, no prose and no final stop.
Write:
5 h 46 min 07 s
